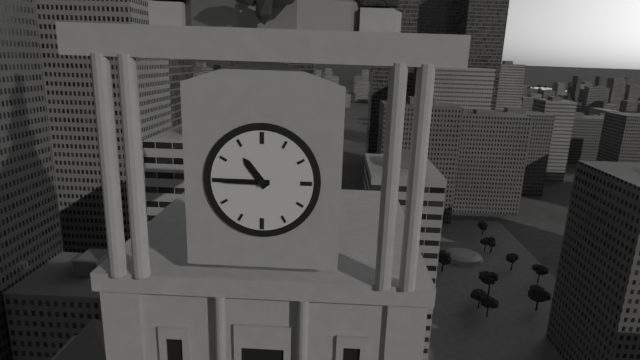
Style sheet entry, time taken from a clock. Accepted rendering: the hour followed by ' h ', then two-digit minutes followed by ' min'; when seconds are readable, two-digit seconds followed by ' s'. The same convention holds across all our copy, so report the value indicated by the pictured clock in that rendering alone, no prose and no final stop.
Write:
10 h 45 min
